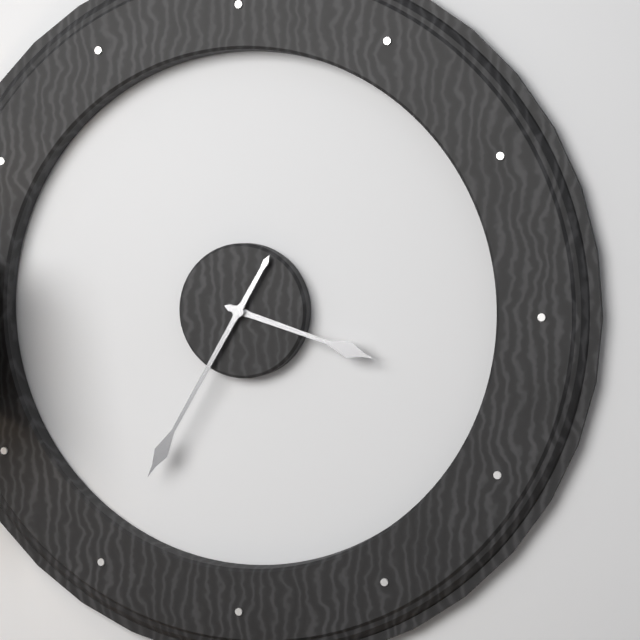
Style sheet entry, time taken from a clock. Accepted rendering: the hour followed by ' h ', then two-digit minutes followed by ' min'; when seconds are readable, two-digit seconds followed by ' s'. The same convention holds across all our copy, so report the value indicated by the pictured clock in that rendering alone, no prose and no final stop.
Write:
3 h 35 min
